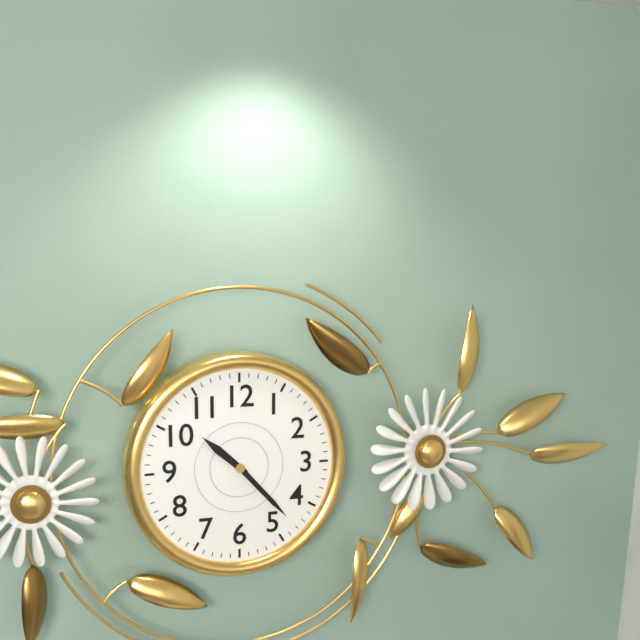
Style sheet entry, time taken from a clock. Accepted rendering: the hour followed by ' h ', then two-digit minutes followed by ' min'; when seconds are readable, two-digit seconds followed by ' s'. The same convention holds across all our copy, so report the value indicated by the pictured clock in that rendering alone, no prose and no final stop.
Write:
10 h 23 min
